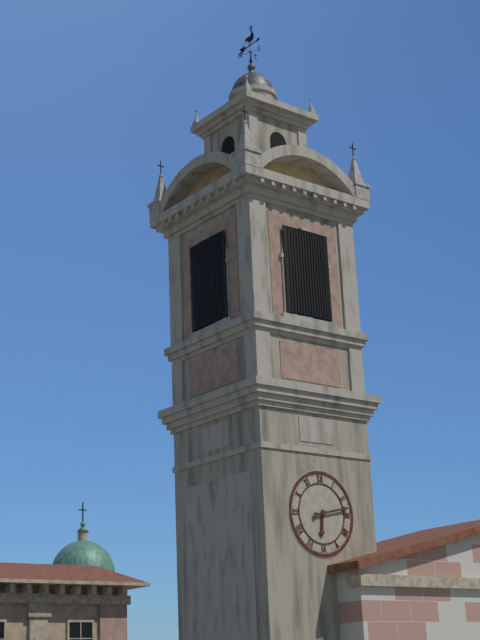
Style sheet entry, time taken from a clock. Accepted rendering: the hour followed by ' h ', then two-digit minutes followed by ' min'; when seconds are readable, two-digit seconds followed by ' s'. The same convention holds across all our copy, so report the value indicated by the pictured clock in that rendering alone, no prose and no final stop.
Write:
6 h 13 min
